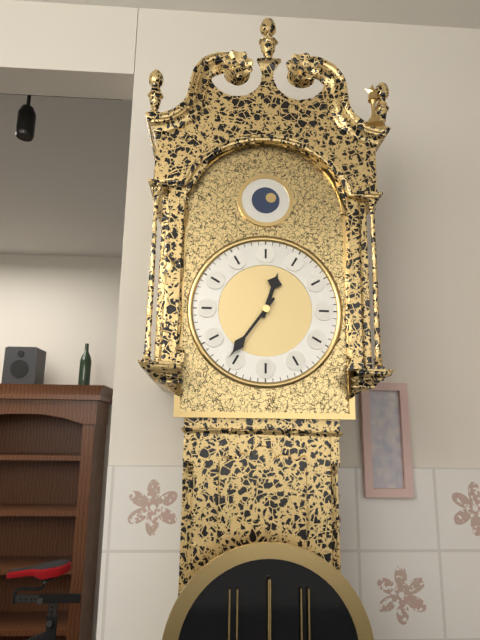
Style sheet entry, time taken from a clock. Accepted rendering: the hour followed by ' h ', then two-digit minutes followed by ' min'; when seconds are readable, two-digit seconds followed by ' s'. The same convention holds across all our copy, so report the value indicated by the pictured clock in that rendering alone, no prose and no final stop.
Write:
12 h 36 min
